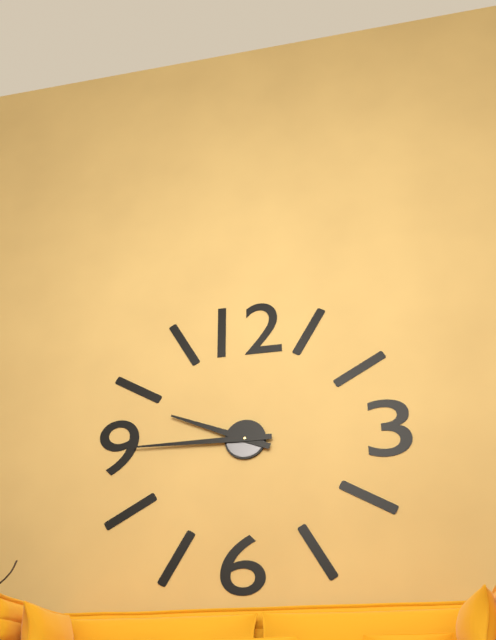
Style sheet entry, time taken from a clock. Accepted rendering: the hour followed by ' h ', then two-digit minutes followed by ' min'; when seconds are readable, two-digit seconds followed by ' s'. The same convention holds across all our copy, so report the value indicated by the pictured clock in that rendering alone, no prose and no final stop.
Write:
9 h 45 min
